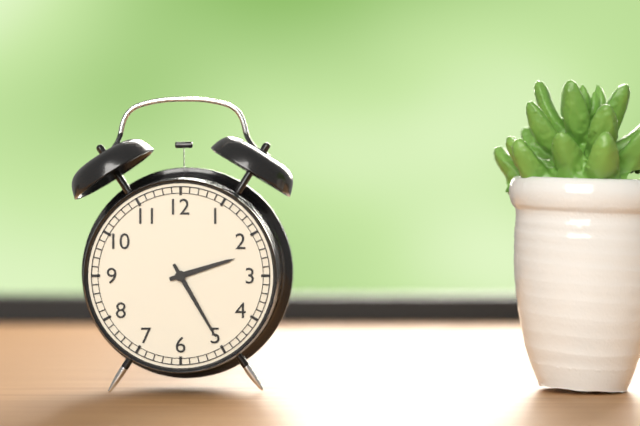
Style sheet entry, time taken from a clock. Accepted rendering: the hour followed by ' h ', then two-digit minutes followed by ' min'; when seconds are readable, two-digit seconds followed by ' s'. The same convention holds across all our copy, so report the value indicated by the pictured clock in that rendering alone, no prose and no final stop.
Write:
2 h 25 min
